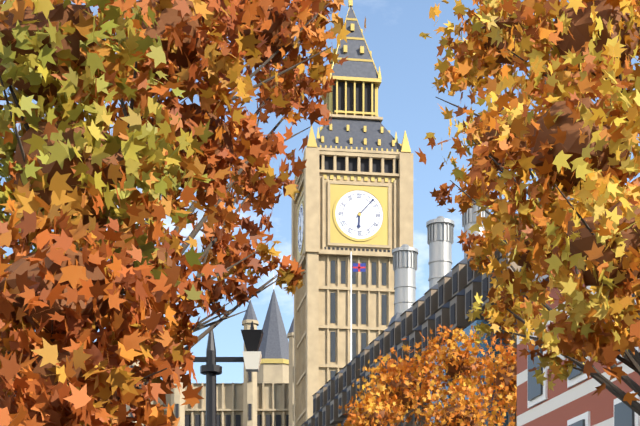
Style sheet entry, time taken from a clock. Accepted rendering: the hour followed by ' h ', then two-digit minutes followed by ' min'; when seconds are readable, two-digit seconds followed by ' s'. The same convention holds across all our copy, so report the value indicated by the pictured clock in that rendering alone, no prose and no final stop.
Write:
6 h 07 min
